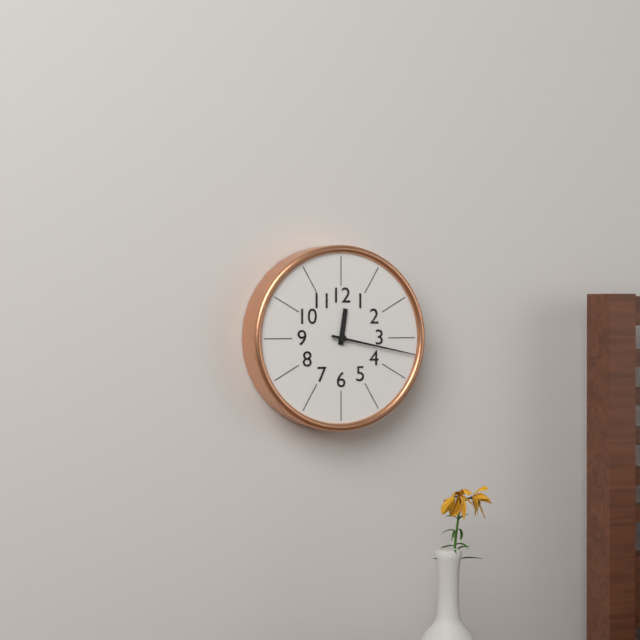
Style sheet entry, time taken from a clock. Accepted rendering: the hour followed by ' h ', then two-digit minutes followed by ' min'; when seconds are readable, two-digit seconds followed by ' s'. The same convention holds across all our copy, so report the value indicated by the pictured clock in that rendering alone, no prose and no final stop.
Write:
12 h 17 min
